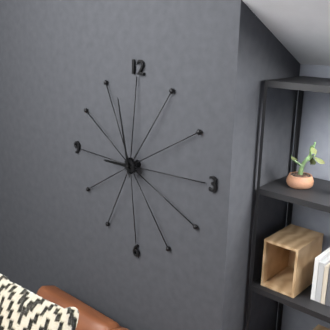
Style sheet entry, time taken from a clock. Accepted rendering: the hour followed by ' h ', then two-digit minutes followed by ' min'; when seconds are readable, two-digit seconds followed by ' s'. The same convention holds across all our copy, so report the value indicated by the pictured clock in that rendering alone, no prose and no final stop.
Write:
8 h 58 min
